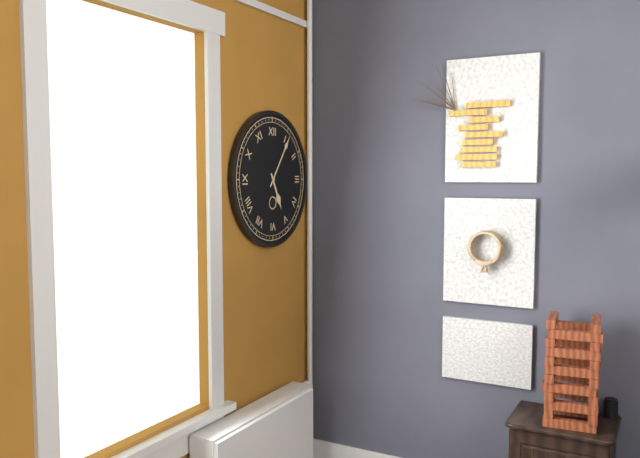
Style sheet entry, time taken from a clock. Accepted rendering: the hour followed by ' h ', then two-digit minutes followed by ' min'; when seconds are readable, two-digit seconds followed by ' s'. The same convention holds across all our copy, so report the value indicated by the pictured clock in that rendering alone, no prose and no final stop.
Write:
5 h 06 min
